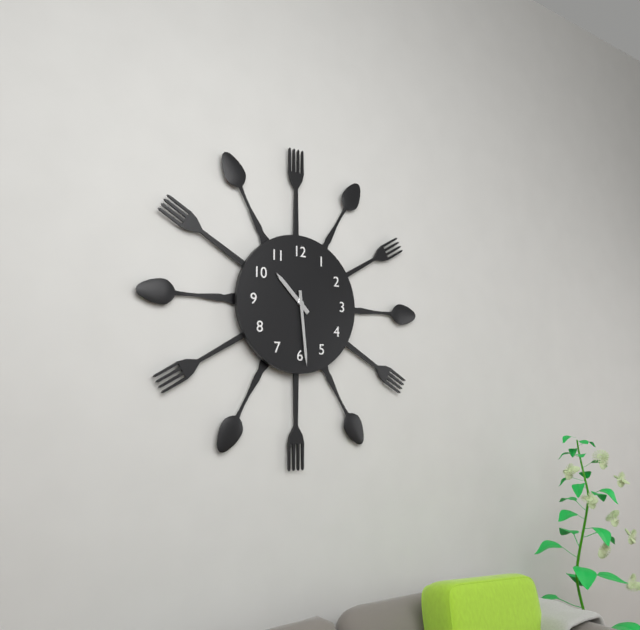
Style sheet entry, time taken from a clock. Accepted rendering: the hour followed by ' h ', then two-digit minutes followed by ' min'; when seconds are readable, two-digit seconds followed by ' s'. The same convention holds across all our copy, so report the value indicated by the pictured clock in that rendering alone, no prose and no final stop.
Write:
10 h 29 min
